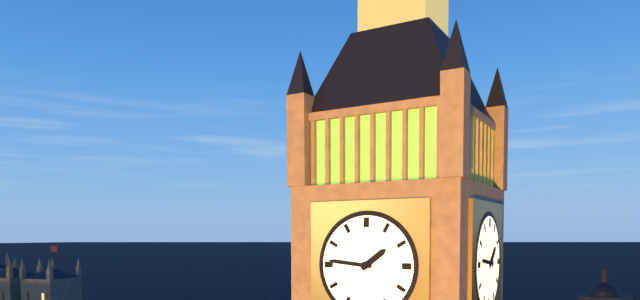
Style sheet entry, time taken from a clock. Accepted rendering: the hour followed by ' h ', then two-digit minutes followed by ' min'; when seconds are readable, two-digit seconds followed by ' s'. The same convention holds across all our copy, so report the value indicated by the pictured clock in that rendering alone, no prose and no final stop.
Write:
1 h 46 min
